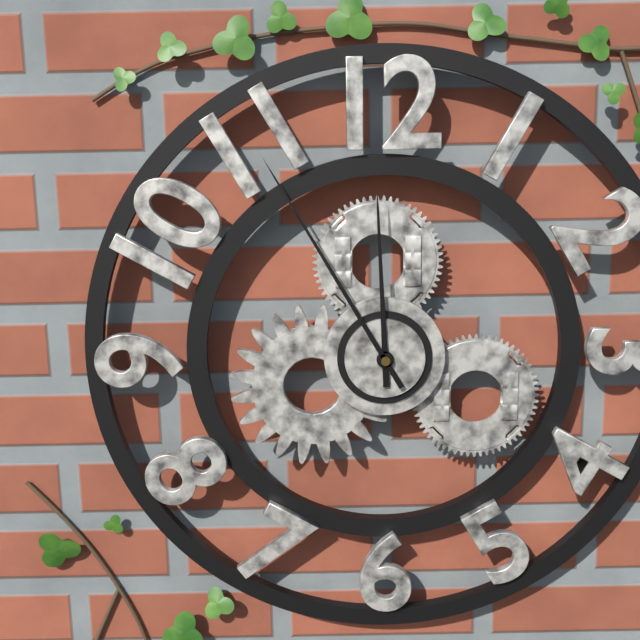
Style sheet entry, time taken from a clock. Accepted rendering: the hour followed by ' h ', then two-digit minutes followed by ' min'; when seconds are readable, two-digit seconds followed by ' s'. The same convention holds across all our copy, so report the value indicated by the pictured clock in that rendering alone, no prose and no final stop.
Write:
11 h 55 min
